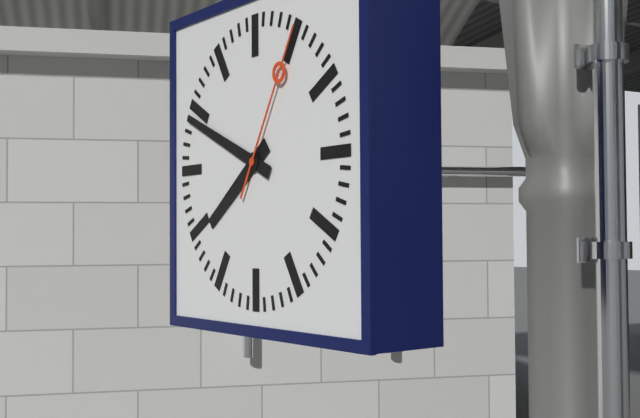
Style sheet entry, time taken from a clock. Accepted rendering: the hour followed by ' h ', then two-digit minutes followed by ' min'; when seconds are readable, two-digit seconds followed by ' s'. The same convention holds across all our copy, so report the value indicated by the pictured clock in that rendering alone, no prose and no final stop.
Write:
7 h 49 min 05 s
